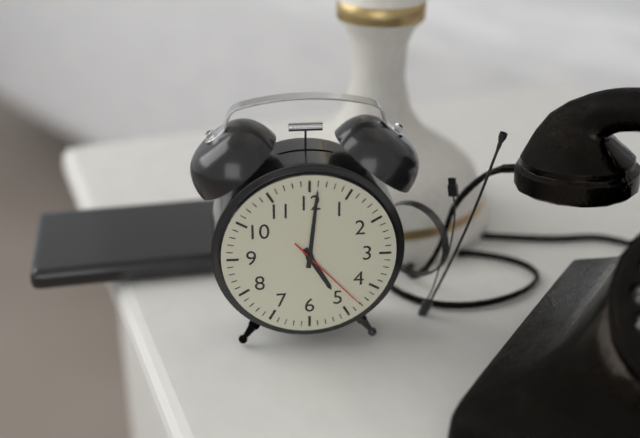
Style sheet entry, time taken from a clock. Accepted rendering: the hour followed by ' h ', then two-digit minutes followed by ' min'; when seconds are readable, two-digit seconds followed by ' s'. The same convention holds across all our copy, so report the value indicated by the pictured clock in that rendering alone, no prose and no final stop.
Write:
5 h 01 min 23 s
